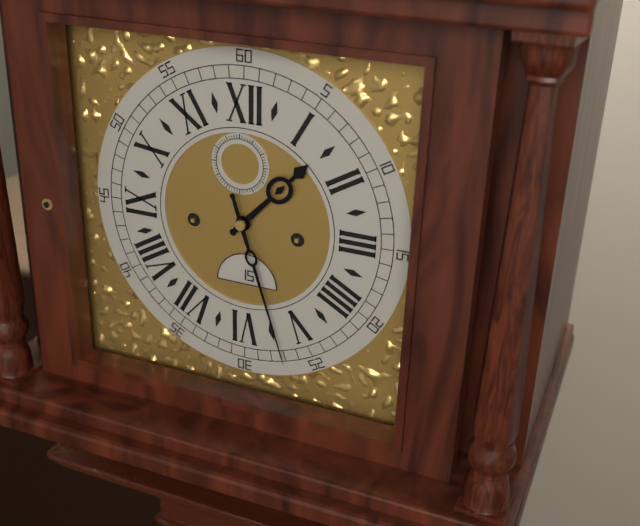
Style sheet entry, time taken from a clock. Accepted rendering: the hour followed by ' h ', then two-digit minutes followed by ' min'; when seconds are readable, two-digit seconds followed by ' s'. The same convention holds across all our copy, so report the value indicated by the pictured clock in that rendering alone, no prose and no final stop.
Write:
1 h 27 min
